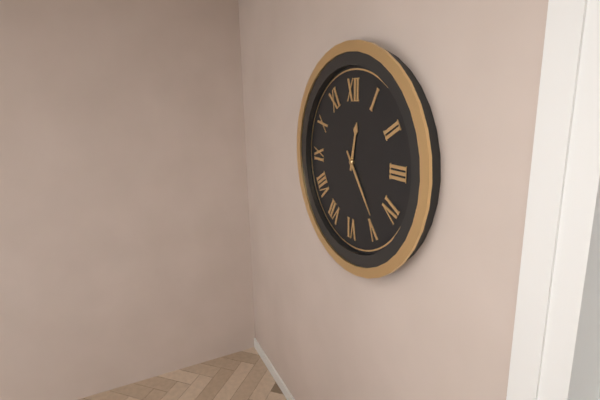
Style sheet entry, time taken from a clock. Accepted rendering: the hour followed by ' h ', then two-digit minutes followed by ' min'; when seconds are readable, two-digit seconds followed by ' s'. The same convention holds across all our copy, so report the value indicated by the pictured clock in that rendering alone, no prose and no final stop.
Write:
12 h 24 min
